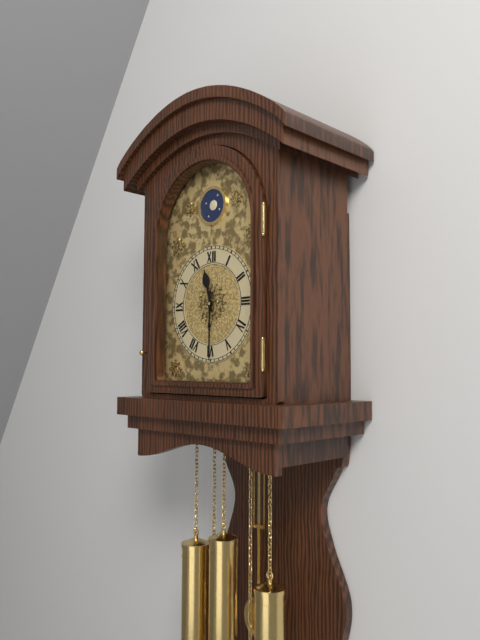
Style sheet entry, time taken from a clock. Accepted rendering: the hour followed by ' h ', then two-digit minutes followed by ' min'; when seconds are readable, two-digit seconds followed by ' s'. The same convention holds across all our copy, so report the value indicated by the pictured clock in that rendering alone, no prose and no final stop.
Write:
11 h 30 min
